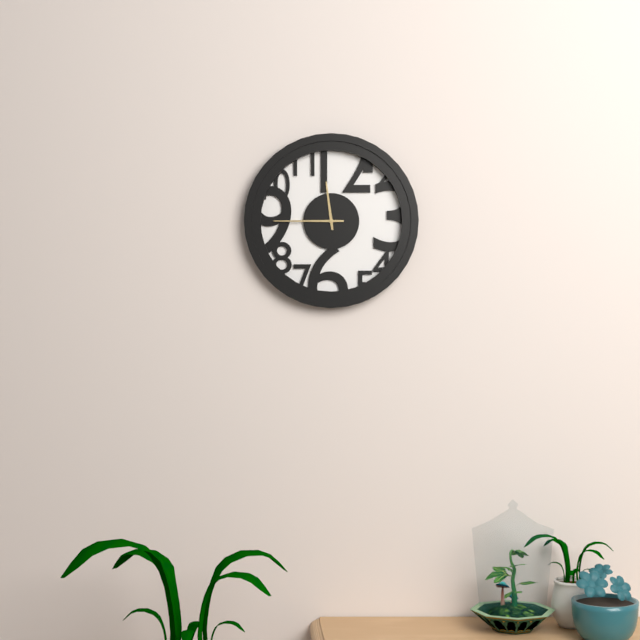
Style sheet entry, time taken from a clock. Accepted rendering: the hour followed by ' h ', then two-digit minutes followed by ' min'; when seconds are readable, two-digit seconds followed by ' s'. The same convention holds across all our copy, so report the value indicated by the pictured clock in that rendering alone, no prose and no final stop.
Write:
11 h 45 min
